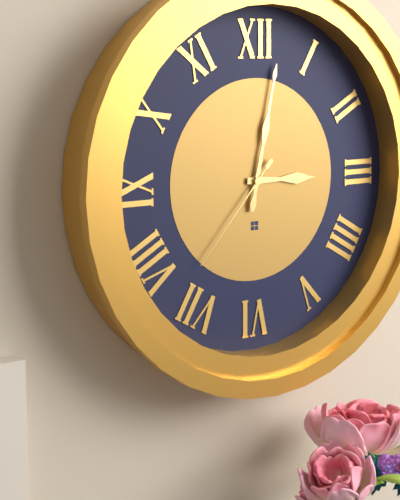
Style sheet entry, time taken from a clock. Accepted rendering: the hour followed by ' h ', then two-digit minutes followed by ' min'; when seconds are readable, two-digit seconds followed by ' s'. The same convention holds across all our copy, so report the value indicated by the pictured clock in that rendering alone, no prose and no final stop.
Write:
3 h 02 min 37 s
